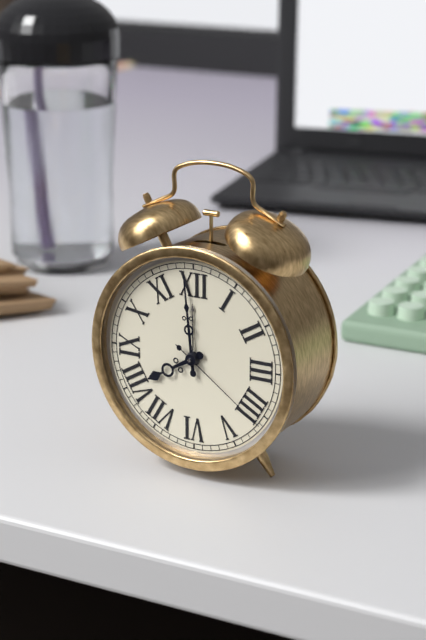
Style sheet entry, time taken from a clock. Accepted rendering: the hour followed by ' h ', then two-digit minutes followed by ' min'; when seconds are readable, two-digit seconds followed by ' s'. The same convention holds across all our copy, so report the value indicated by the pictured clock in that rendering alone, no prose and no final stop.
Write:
7 h 59 min 21 s
